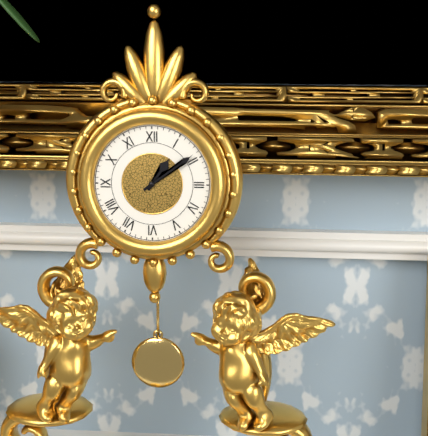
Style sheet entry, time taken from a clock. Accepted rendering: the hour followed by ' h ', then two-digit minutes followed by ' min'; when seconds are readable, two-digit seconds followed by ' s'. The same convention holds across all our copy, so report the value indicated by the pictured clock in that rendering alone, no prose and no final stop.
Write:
1 h 09 min
